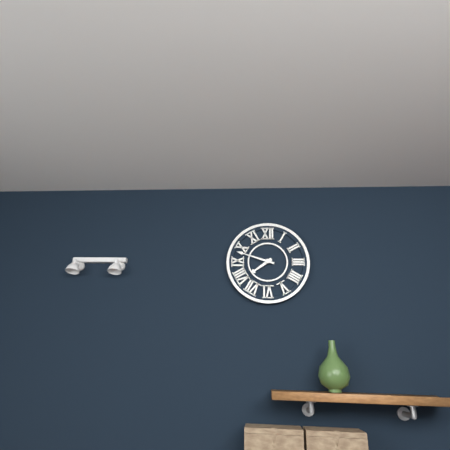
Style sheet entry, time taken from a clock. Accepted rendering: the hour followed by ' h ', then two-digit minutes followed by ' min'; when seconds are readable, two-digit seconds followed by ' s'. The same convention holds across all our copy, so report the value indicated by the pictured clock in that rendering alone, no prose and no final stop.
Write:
7 h 48 min
